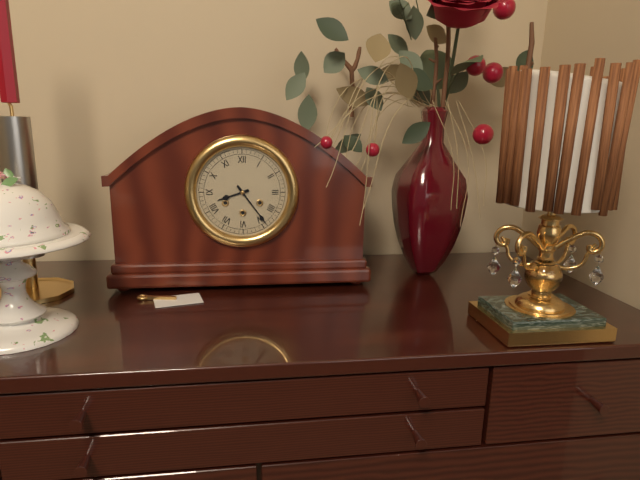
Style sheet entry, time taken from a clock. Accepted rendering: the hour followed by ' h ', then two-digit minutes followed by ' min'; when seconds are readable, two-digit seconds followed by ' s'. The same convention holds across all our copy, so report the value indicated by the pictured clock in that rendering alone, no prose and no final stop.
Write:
8 h 24 min
